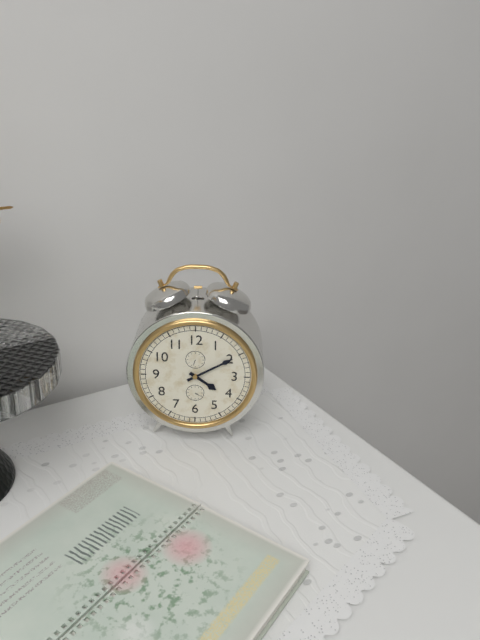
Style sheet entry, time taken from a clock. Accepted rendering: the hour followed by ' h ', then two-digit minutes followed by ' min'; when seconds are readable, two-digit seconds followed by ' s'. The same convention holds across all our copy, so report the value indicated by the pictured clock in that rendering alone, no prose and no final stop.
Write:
4 h 10 min
